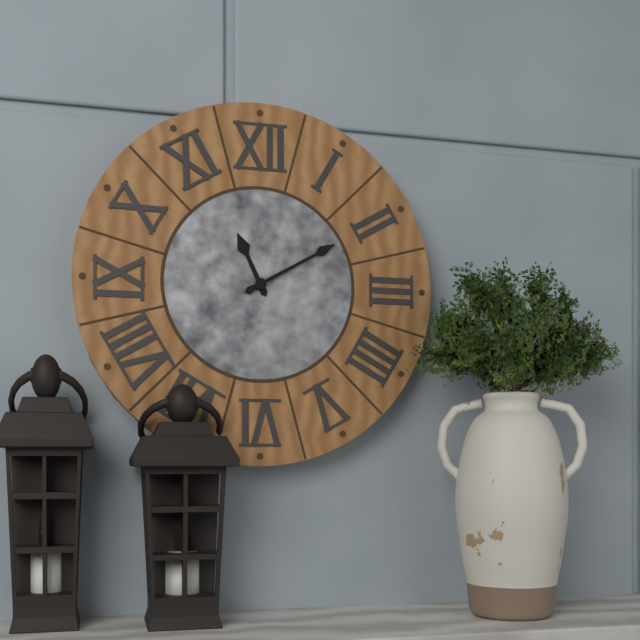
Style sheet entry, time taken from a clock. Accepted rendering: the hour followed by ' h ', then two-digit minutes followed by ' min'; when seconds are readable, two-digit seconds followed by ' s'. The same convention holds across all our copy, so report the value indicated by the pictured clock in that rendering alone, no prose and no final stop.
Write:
11 h 10 min
